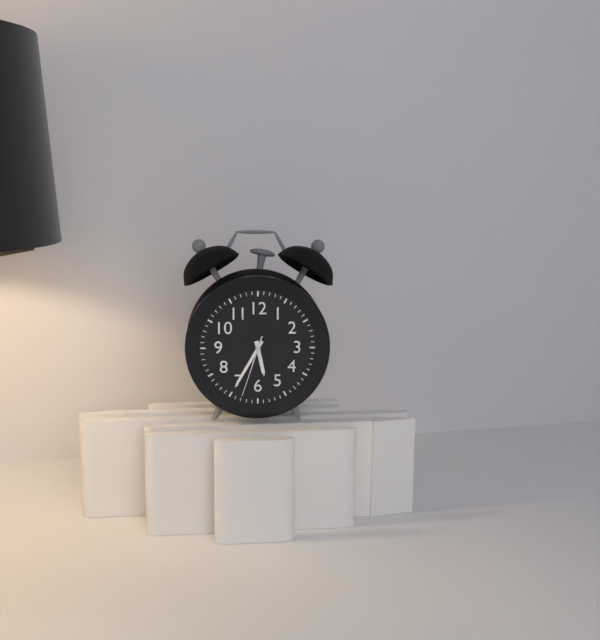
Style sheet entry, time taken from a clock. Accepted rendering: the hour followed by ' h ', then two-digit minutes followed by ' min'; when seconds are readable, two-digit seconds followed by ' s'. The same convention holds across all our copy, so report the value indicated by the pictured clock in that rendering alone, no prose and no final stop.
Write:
5 h 35 min 33 s
